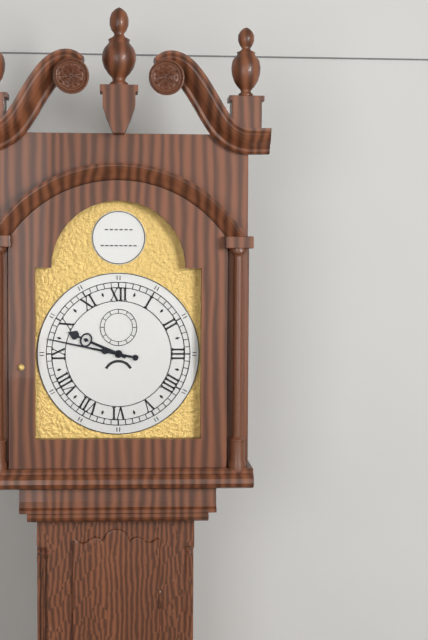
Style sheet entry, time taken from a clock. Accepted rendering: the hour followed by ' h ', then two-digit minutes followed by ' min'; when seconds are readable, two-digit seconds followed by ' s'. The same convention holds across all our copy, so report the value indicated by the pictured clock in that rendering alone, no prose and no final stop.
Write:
9 h 47 min
